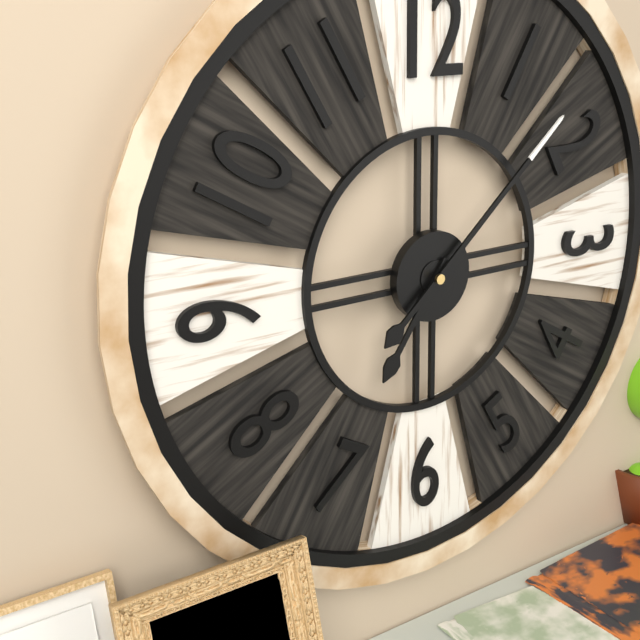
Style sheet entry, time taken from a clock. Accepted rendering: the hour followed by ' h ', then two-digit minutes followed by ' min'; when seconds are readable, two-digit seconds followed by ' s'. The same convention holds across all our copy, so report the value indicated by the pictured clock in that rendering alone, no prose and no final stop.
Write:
7 h 08 min
